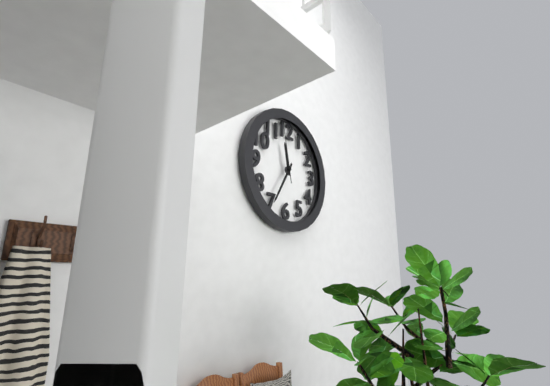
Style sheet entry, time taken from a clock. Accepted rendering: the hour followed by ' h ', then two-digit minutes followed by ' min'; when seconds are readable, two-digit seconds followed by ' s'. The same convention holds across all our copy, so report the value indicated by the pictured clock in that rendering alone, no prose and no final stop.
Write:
11 h 35 min 58 s
